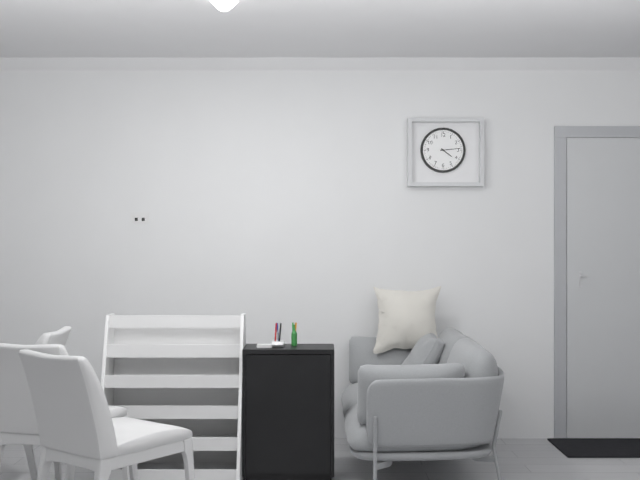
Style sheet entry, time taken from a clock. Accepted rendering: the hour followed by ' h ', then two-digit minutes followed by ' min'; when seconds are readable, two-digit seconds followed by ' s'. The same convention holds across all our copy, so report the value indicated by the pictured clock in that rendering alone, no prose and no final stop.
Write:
4 h 14 min
